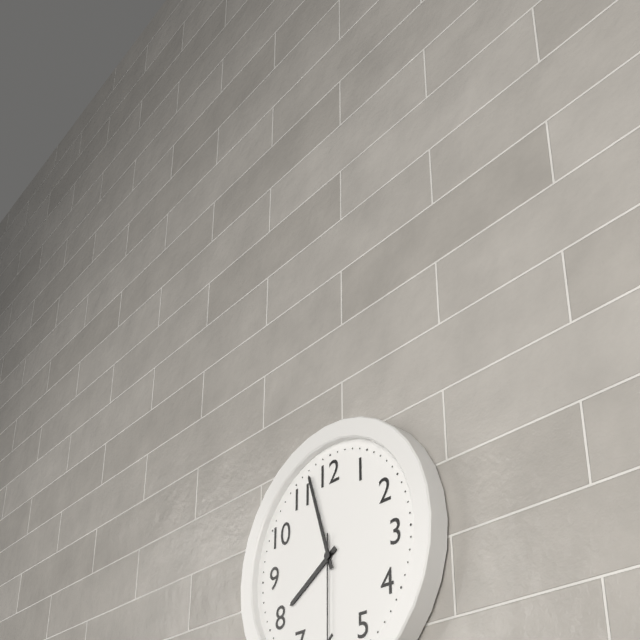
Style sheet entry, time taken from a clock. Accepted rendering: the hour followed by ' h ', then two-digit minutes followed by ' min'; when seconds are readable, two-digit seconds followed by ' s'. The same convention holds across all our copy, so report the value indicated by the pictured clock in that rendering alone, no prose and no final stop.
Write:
7 h 57 min
